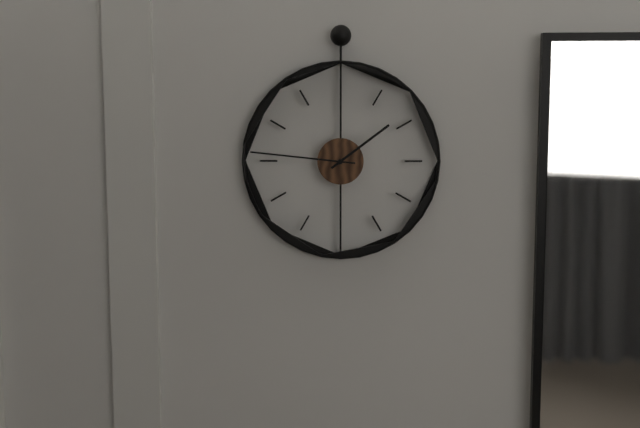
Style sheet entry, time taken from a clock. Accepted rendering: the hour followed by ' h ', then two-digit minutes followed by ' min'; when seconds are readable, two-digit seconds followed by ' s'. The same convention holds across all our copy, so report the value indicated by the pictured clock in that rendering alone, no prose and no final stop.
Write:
1 h 46 min
